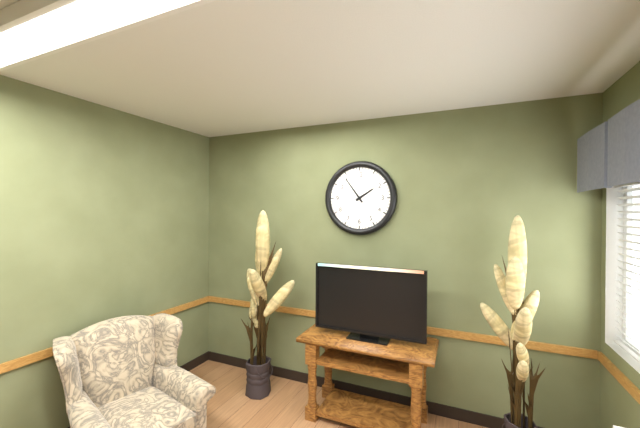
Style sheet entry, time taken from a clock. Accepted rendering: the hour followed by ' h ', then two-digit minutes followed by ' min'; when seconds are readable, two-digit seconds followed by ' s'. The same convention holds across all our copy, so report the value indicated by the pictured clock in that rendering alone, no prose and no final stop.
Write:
1 h 54 min
